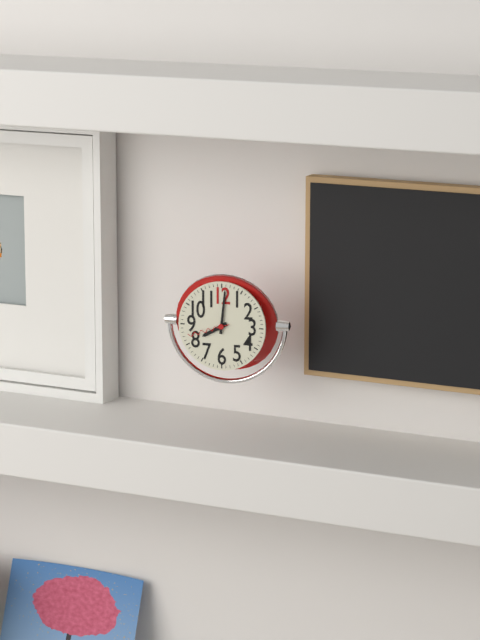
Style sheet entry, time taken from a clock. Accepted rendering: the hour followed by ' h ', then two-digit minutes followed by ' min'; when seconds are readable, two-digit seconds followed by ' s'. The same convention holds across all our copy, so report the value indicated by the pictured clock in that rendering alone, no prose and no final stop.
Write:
8 h 01 min
